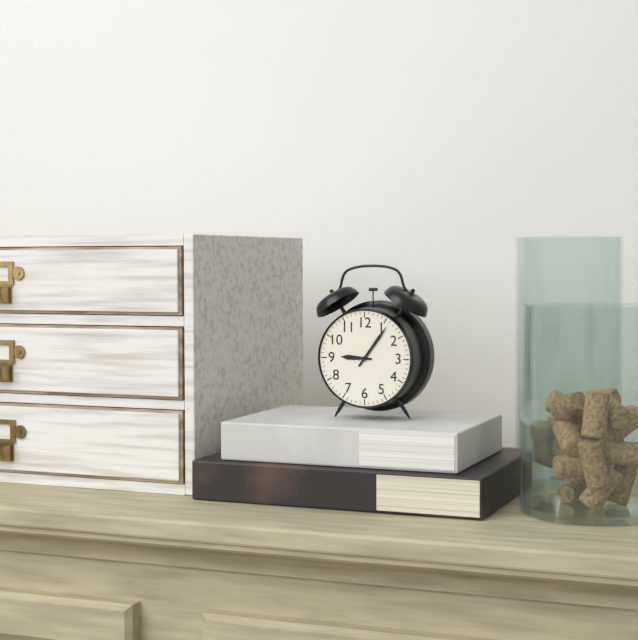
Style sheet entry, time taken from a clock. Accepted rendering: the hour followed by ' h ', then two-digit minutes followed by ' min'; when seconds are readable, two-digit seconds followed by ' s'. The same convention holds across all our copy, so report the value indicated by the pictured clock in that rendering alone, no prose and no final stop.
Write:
9 h 06 min
